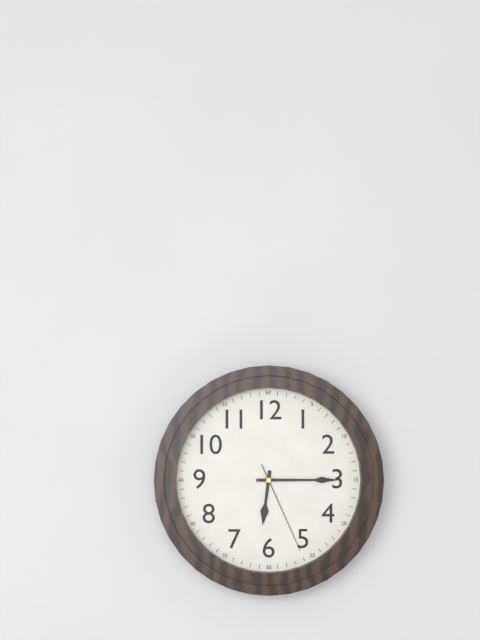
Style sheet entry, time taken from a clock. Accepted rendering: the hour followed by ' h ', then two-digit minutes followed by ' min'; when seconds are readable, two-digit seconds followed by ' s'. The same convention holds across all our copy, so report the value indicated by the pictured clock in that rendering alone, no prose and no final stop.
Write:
6 h 15 min 26 s
